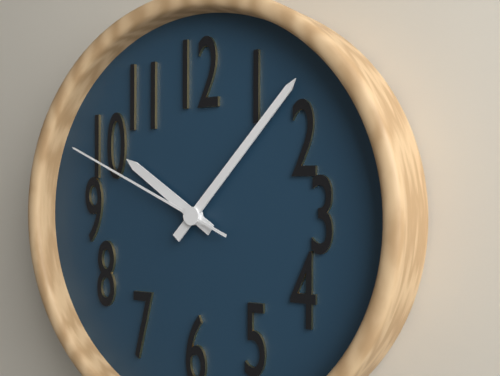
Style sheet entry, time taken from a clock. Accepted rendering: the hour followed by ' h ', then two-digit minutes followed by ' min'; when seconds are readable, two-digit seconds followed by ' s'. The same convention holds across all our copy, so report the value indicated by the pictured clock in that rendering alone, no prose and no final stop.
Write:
10 h 07 min 49 s
